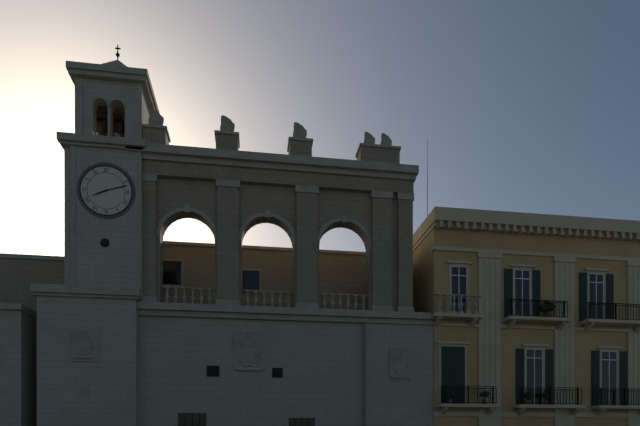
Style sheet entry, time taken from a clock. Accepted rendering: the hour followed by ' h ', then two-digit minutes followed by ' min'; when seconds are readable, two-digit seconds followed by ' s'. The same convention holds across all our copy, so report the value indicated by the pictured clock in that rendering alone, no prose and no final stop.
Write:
8 h 12 min
